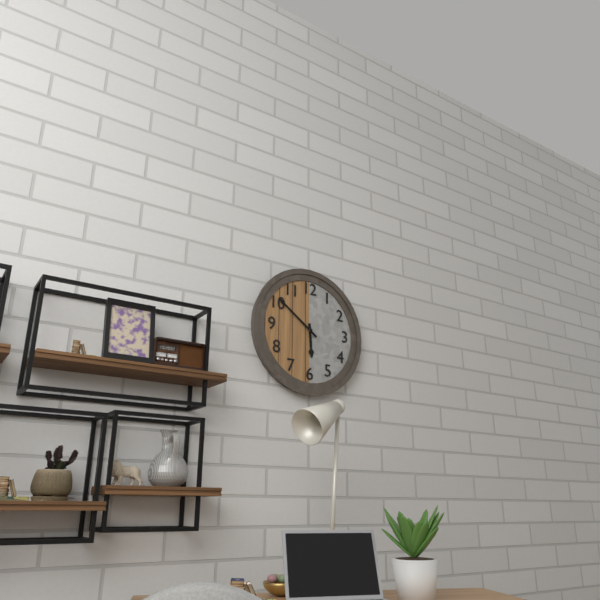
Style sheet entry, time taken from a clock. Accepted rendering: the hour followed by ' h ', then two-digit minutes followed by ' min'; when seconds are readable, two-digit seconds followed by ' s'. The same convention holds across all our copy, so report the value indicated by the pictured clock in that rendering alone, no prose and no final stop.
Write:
5 h 51 min
